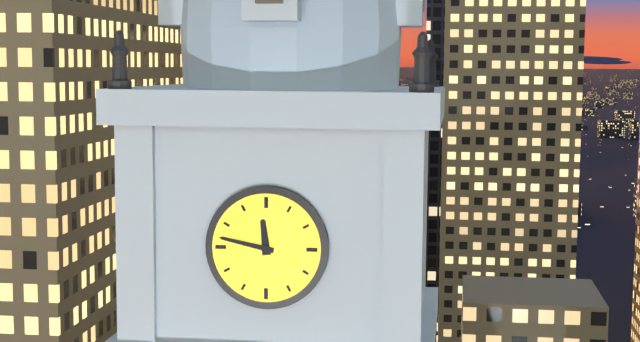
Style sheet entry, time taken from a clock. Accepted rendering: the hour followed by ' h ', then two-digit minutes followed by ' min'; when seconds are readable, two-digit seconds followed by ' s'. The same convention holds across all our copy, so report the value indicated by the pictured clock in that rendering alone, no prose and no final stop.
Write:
11 h 47 min
